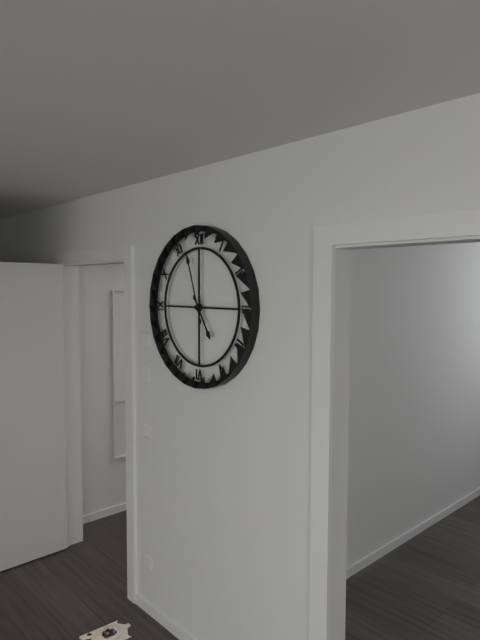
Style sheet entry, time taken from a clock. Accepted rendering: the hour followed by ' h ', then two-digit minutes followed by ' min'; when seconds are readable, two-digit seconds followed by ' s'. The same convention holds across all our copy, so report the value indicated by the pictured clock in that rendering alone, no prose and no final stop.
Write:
4 h 57 min
